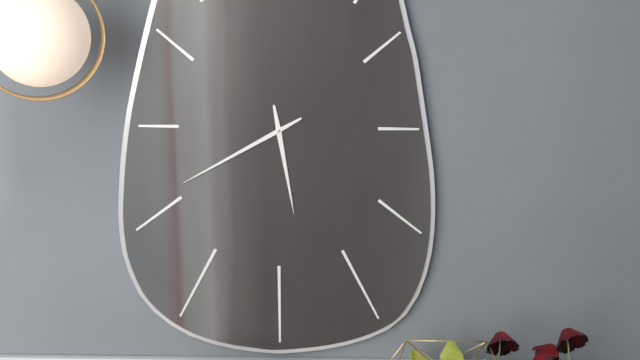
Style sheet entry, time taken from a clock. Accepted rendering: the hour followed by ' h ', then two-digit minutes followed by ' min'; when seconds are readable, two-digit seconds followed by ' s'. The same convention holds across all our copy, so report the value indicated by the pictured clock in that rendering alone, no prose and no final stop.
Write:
5 h 40 min
